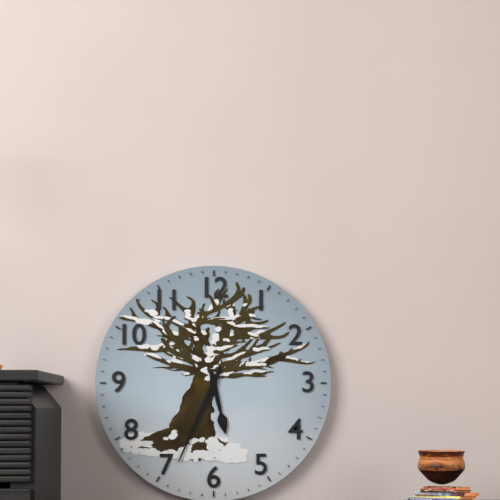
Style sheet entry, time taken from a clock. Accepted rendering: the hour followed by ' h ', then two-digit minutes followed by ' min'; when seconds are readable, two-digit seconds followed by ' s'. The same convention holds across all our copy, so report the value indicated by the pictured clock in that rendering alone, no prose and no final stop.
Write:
5 h 34 min
